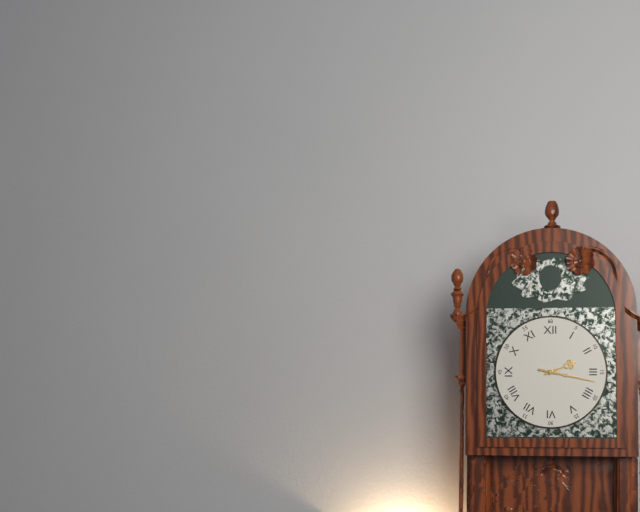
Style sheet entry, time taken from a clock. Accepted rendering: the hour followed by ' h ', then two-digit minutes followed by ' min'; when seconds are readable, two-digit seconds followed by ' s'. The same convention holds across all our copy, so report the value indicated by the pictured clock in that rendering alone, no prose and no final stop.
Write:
2 h 17 min
